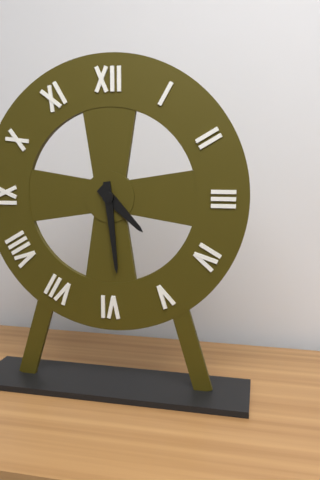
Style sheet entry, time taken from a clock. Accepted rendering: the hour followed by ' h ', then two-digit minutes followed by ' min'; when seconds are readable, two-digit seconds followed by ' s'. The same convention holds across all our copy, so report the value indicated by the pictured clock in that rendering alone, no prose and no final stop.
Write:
4 h 29 min
